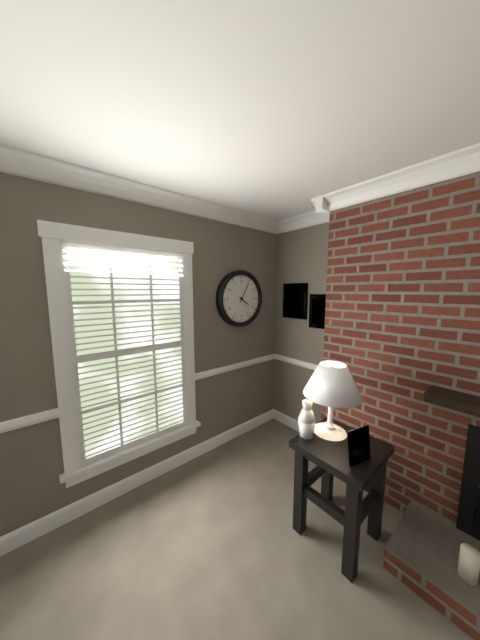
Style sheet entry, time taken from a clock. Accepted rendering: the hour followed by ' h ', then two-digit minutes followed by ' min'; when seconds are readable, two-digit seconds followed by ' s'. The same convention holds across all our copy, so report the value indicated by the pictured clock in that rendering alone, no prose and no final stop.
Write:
4 h 05 min
